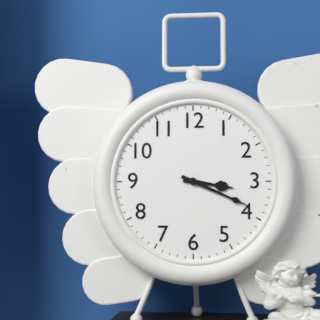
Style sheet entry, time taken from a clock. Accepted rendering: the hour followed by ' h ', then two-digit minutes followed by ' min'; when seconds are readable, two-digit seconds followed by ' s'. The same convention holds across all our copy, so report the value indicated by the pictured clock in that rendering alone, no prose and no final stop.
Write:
3 h 19 min
